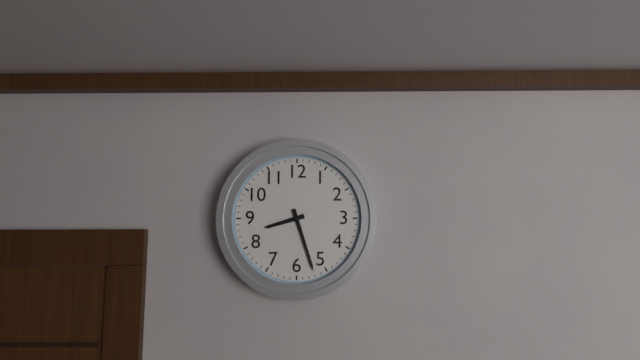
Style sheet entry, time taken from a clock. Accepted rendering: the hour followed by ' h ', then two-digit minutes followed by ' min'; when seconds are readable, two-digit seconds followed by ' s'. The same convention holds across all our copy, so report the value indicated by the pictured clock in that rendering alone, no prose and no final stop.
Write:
8 h 27 min
